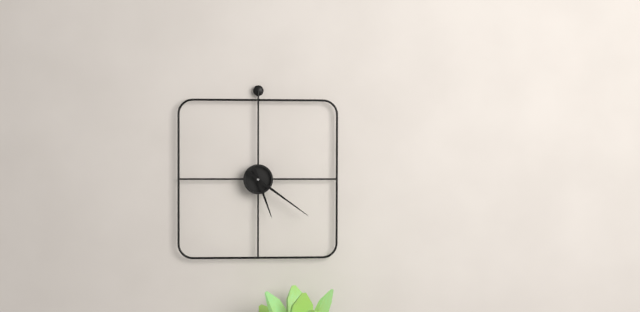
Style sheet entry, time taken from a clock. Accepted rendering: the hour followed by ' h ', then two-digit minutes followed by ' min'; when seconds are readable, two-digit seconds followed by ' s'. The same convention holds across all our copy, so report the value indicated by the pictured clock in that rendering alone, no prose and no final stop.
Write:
5 h 21 min
